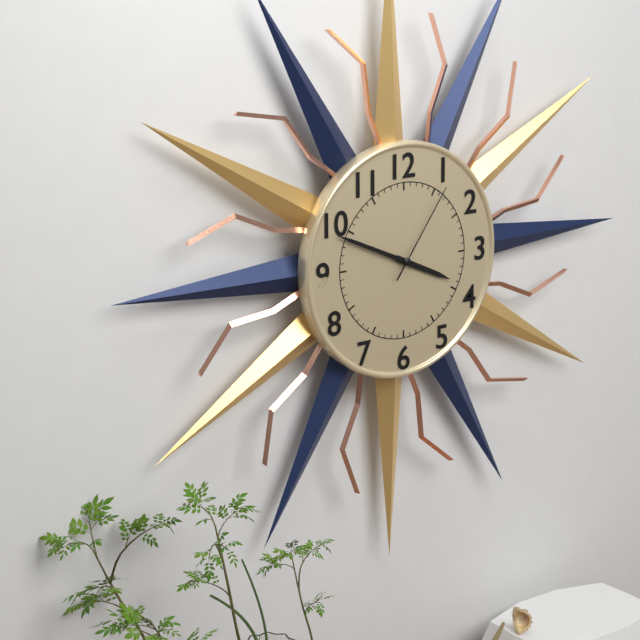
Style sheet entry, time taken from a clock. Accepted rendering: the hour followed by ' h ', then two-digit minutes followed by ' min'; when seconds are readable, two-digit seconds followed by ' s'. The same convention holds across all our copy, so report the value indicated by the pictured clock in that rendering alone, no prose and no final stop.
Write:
3 h 49 min 06 s
